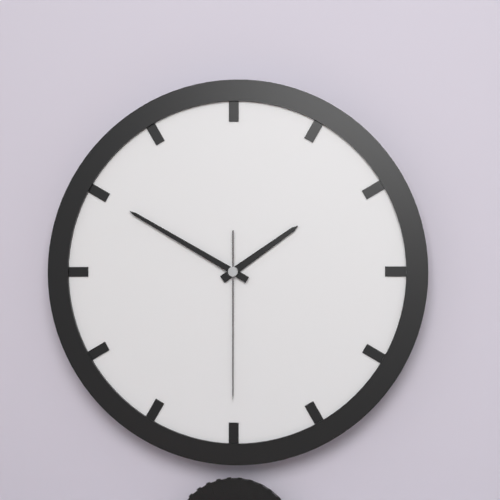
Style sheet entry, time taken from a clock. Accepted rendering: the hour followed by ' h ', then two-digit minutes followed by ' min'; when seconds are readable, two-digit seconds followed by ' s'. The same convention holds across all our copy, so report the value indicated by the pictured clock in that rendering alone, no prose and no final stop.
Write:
1 h 50 min 30 s
